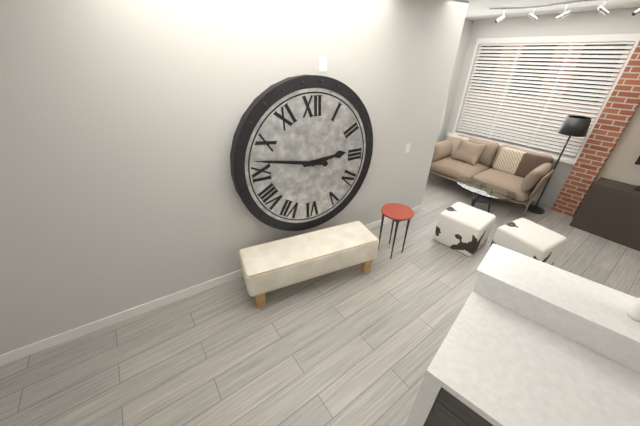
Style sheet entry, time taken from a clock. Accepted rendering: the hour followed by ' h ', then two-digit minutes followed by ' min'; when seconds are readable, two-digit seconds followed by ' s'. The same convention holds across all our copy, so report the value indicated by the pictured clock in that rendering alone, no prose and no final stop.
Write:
2 h 47 min
